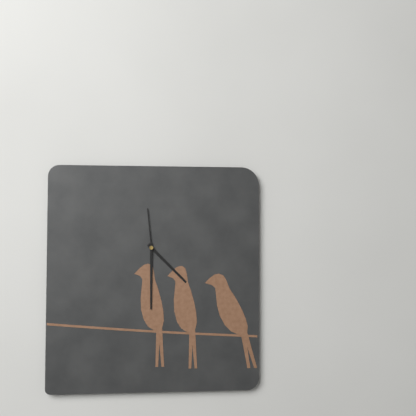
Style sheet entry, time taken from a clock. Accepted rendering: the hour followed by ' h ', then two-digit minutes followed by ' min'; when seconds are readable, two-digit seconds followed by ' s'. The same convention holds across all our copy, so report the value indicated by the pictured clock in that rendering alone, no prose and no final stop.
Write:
4 h 30 min
